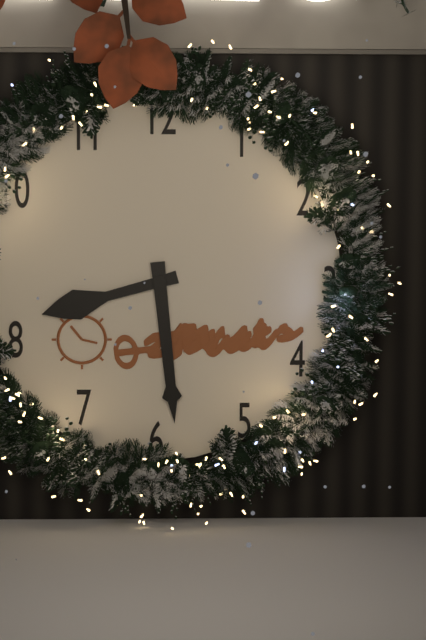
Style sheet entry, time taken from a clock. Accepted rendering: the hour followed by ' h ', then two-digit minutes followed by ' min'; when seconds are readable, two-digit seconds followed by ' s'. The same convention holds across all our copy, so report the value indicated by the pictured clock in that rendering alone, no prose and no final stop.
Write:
8 h 29 min
